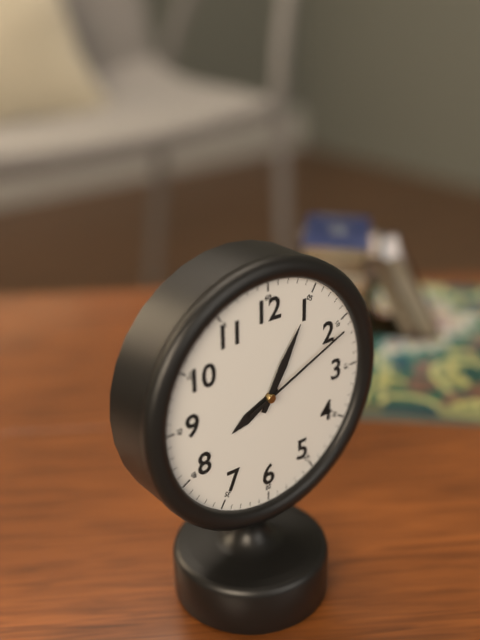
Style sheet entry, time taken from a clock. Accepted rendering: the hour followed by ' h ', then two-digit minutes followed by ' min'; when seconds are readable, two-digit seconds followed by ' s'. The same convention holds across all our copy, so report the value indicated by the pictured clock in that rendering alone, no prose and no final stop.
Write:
8 h 05 min 11 s
